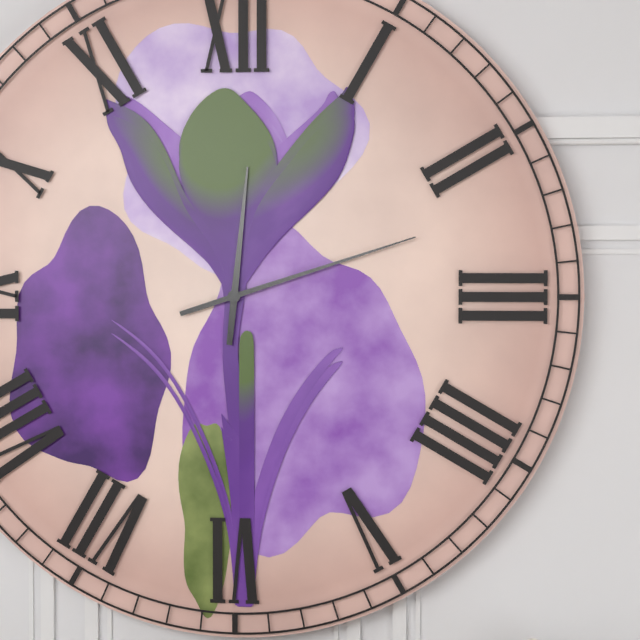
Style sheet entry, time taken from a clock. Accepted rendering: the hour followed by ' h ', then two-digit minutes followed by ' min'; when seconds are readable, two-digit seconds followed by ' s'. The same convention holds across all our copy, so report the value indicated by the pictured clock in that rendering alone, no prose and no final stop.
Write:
12 h 12 min
